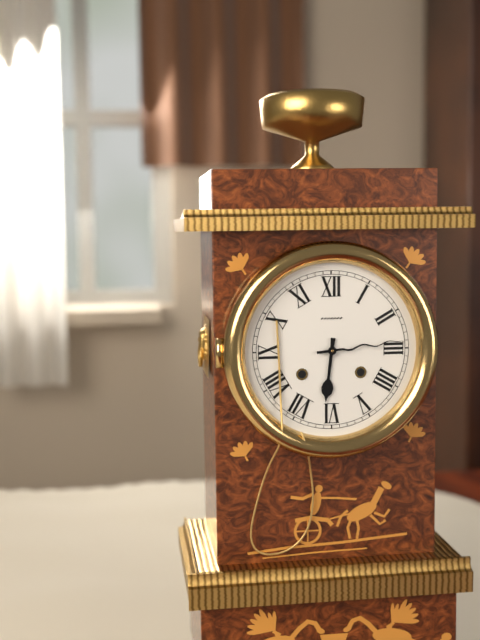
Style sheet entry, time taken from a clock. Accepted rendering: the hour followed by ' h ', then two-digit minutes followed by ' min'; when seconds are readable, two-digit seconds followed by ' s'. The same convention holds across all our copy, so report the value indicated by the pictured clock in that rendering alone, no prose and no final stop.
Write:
6 h 14 min
